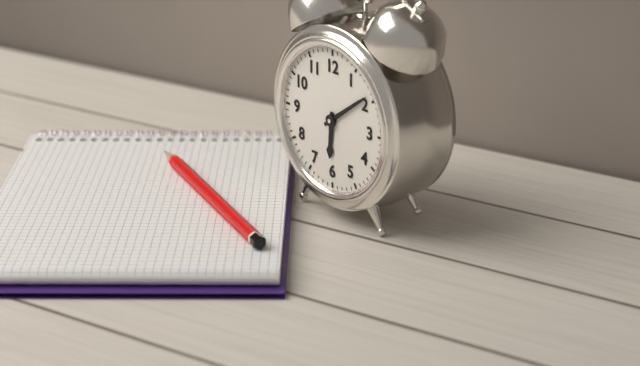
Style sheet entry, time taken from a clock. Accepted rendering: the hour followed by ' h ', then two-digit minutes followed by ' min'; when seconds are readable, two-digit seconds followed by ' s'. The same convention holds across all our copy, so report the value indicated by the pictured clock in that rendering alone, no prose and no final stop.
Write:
6 h 09 min
